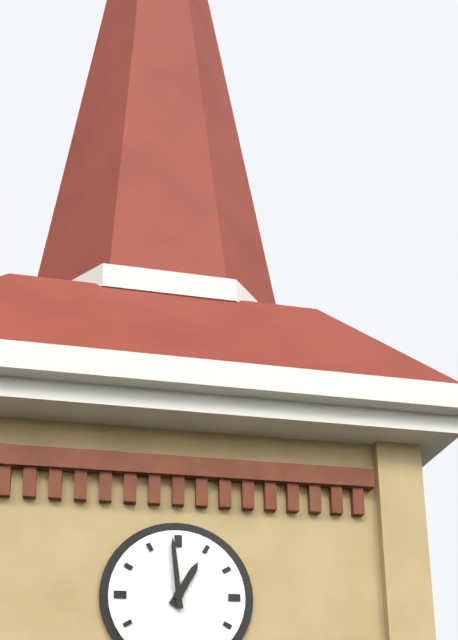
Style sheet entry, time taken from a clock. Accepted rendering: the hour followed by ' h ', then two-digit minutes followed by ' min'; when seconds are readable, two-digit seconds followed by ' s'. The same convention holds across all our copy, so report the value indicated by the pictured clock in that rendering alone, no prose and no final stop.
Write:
12 h 59 min
